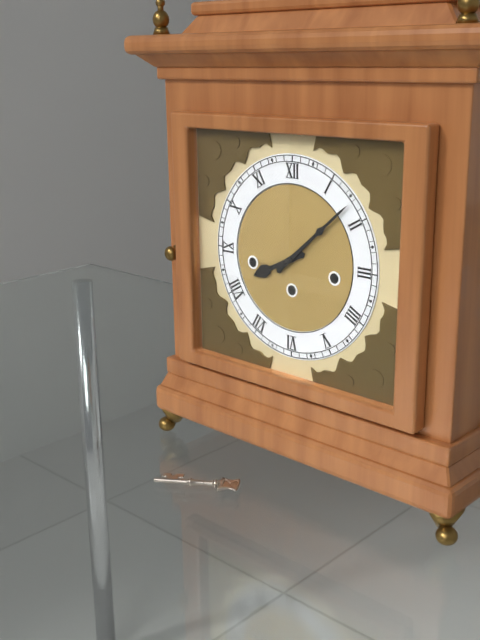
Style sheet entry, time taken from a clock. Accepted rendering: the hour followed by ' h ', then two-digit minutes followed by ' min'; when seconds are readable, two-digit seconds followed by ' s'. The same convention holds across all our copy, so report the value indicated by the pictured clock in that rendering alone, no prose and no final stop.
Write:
8 h 08 min
